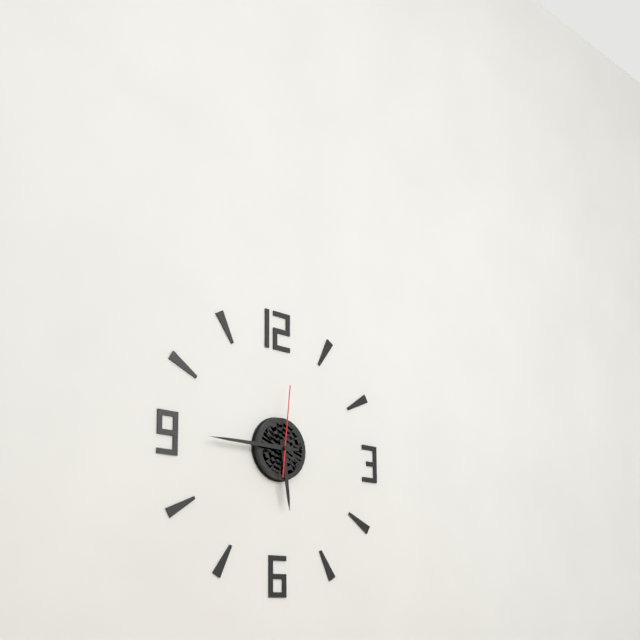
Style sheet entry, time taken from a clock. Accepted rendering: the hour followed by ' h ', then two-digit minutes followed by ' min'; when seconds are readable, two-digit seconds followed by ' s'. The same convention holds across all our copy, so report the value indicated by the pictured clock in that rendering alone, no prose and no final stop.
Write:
5 h 45 min 01 s
